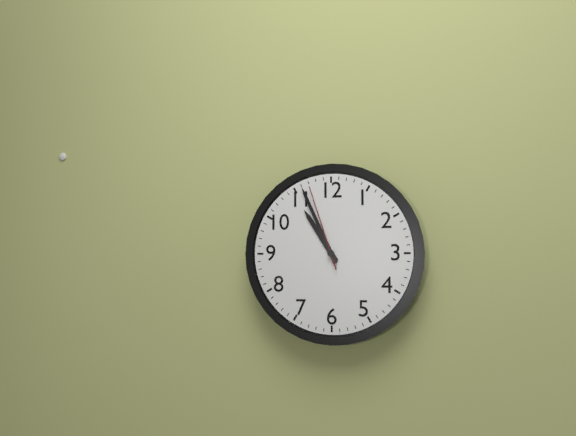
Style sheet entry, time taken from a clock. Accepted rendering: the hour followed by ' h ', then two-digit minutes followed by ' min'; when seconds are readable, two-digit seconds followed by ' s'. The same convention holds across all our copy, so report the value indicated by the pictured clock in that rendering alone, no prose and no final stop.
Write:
10 h 56 min 57 s
